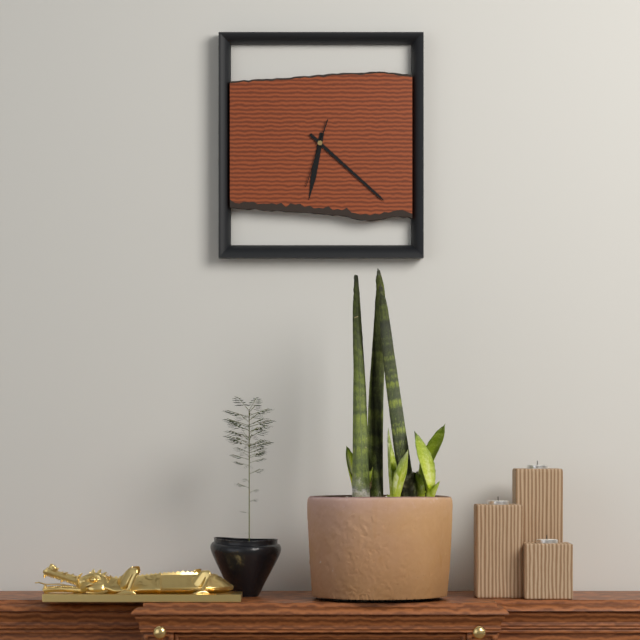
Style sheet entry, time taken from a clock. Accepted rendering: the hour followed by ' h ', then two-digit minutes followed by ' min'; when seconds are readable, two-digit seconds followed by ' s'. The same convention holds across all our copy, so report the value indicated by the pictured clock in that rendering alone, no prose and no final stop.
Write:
6 h 22 min 33 s
